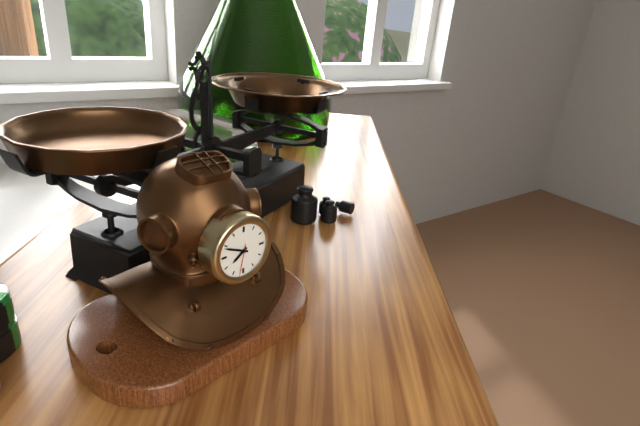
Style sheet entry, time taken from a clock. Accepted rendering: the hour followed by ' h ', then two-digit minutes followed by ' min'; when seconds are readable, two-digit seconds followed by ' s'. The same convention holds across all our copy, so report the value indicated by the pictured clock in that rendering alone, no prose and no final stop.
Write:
7 h 49 min
